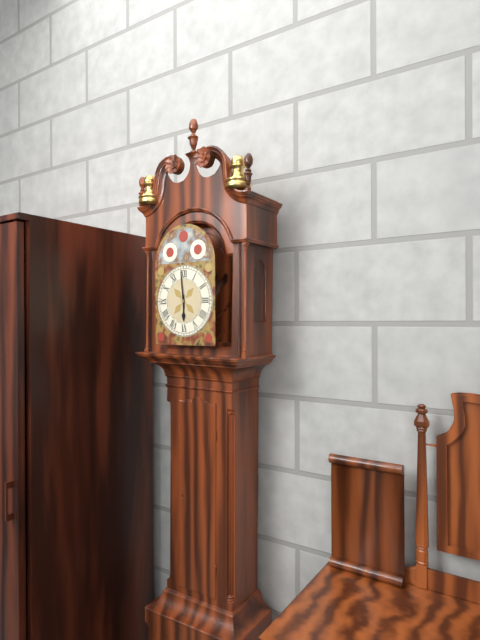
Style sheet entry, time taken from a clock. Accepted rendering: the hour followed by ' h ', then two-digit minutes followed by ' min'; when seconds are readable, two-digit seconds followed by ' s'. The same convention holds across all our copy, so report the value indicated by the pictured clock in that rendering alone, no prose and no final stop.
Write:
5 h 59 min
